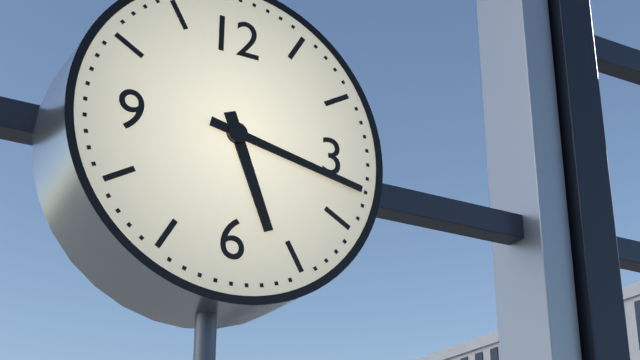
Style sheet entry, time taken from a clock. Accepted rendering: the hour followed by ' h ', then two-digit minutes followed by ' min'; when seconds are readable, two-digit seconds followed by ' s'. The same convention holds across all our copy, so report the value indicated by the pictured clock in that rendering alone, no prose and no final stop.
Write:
5 h 17 min
